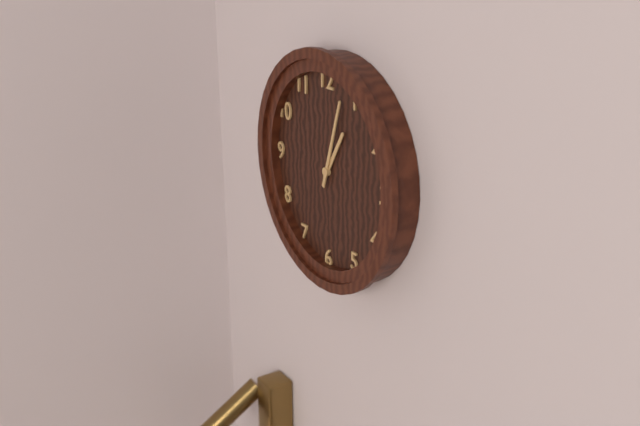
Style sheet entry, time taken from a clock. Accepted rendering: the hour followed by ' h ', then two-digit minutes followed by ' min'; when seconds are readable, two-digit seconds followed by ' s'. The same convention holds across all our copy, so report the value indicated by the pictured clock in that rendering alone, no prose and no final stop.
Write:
1 h 03 min
